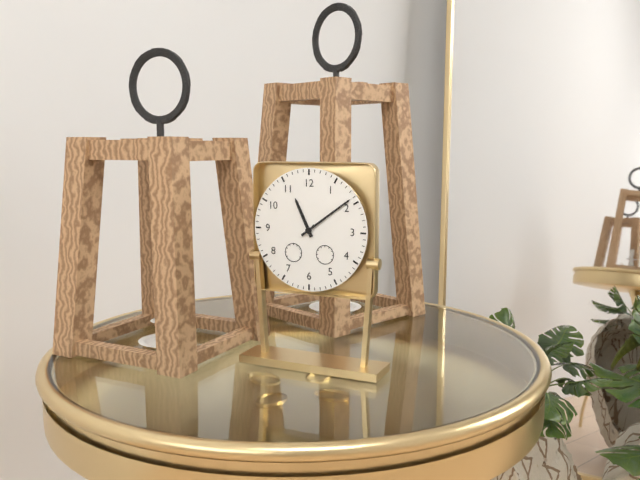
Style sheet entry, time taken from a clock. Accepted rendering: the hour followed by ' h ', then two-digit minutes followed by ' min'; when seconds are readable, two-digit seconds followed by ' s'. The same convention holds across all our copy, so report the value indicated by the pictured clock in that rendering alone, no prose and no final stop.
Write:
11 h 09 min
